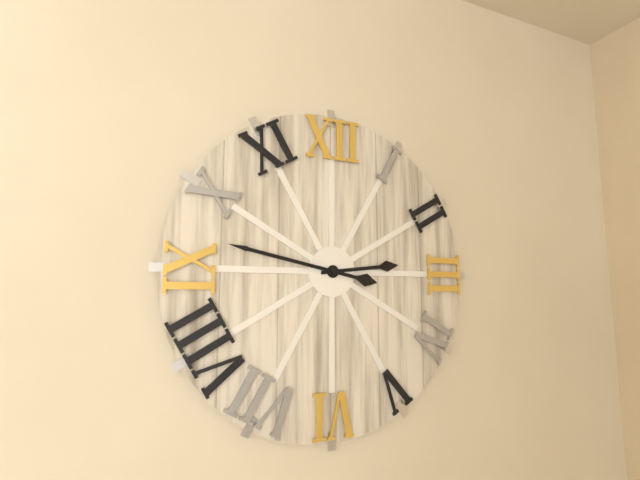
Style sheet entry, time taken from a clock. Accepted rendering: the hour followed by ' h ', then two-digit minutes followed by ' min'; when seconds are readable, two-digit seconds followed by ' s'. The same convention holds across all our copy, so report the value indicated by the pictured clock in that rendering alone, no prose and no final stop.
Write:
2 h 47 min
